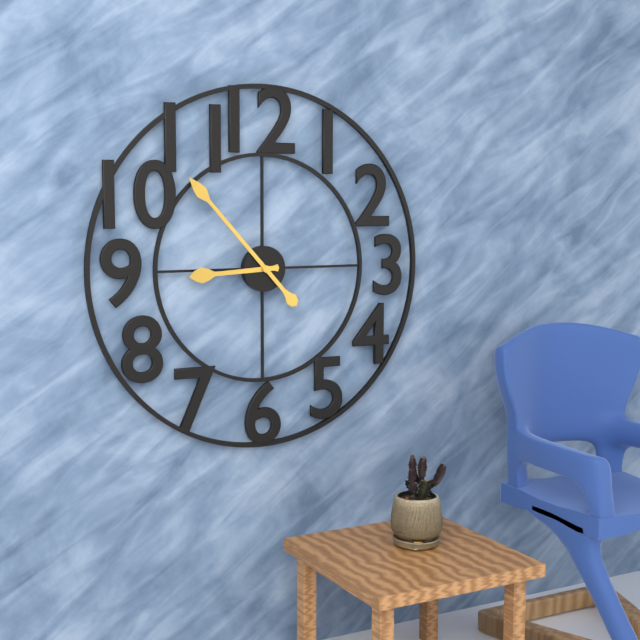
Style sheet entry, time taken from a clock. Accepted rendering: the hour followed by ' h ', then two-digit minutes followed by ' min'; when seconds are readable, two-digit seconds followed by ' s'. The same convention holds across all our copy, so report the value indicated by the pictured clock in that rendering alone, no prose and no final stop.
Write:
8 h 53 min
